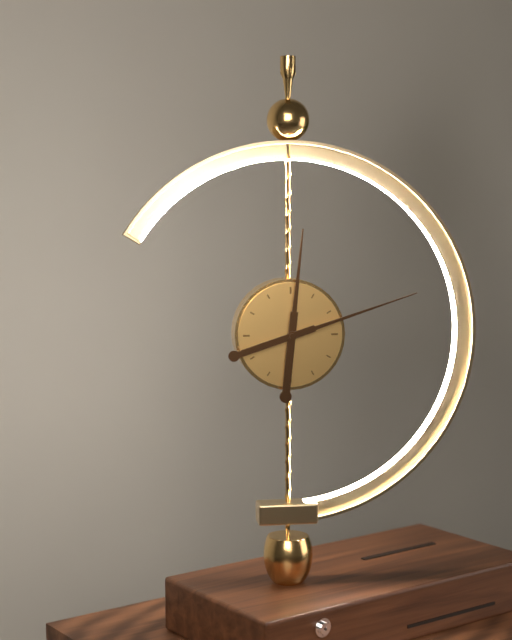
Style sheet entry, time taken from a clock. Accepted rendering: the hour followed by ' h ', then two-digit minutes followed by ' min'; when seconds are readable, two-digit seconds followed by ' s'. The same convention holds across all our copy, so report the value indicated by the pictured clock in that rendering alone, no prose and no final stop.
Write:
12 h 12 min
